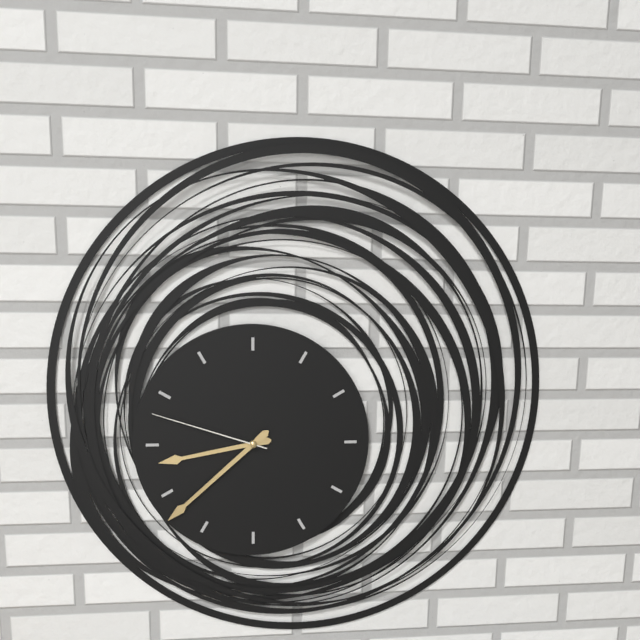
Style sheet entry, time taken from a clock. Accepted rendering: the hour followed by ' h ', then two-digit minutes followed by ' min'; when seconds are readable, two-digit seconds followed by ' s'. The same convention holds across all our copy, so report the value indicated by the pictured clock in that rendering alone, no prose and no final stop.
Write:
8 h 38 min 48 s
